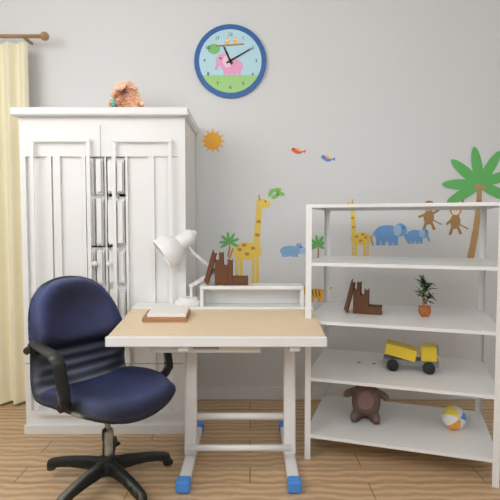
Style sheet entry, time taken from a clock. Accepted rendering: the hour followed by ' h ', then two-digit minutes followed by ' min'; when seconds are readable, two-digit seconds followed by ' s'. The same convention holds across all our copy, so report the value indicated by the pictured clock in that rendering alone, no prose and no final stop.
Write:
11 h 10 min
